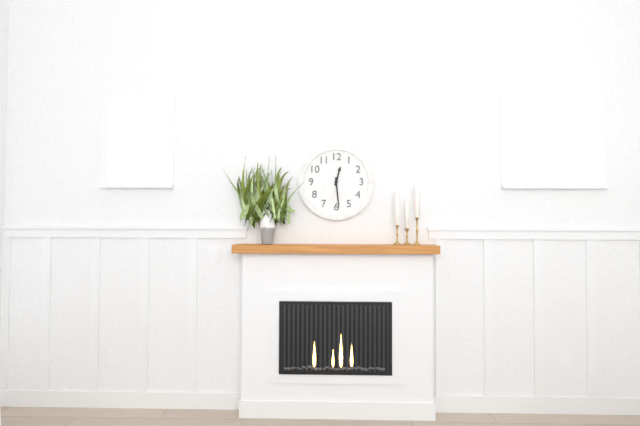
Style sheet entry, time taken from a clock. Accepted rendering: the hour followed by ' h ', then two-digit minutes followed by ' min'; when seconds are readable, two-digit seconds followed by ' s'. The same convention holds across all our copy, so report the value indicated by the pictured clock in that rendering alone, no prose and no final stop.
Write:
12 h 29 min
